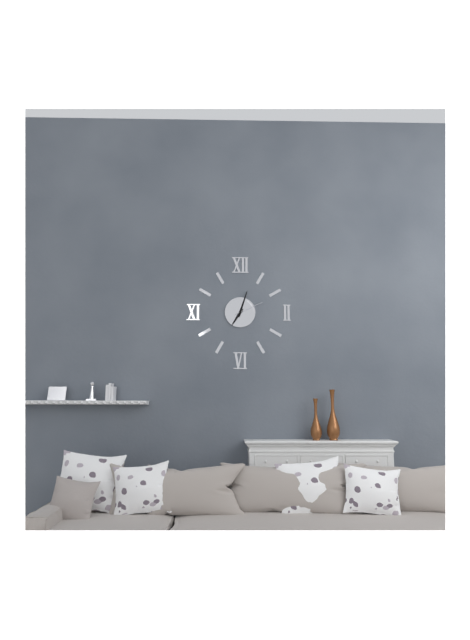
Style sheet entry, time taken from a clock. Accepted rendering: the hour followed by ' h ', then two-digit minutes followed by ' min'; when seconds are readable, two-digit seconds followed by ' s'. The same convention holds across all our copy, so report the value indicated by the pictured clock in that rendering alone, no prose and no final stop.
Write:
7 h 03 min
